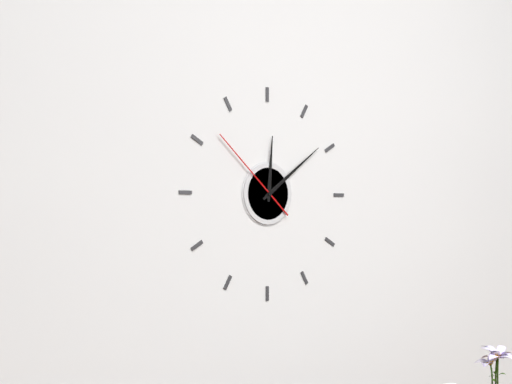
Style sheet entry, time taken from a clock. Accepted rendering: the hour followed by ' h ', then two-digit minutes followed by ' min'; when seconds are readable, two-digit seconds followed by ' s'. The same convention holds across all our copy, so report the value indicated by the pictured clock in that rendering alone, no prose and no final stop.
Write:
12 h 09 min 52 s
